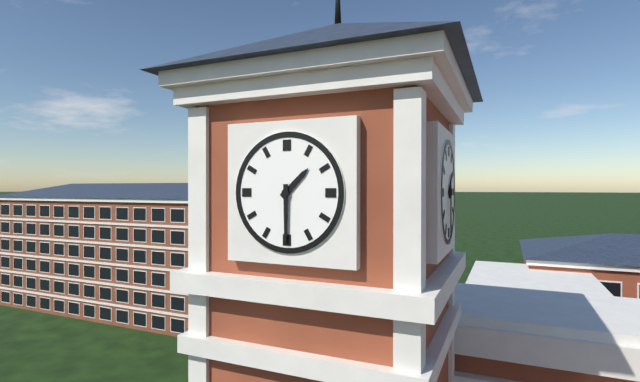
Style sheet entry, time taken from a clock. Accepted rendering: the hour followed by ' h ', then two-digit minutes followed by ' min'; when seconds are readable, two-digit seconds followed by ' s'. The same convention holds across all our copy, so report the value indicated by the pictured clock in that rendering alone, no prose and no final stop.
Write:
1 h 30 min
